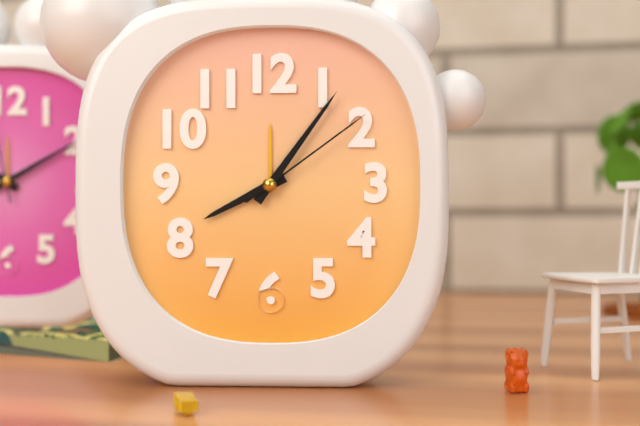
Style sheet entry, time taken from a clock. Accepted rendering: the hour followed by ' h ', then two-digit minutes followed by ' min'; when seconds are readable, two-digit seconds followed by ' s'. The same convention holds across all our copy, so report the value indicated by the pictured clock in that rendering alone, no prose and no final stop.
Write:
8 h 06 min 09 s
